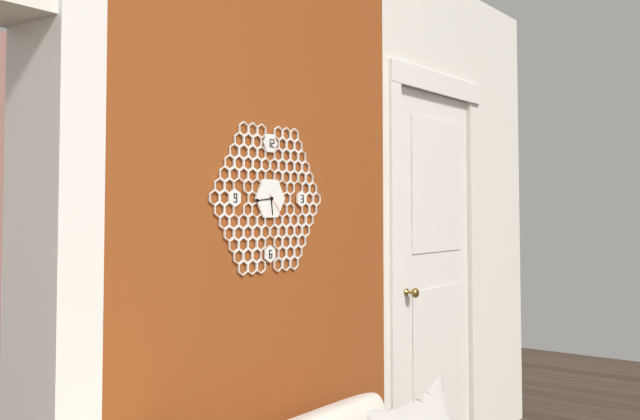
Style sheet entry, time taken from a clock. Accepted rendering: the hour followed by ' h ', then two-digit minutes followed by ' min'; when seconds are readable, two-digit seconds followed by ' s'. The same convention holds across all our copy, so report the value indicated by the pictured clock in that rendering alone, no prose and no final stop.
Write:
5 h 44 min
